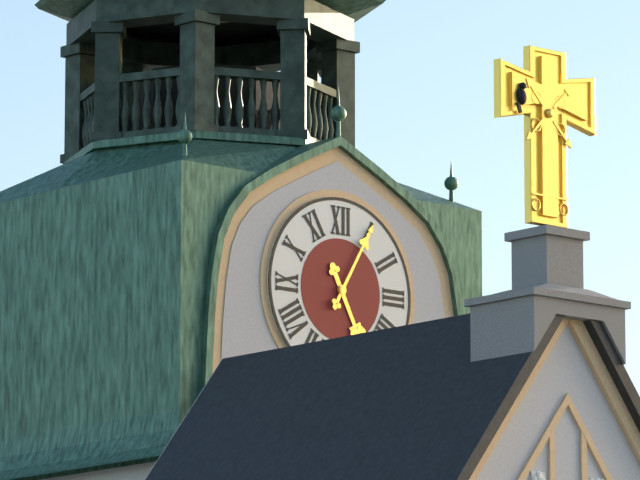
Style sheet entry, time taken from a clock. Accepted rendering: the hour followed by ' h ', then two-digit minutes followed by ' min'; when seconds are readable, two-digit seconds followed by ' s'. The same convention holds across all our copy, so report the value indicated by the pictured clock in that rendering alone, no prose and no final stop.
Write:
5 h 05 min
